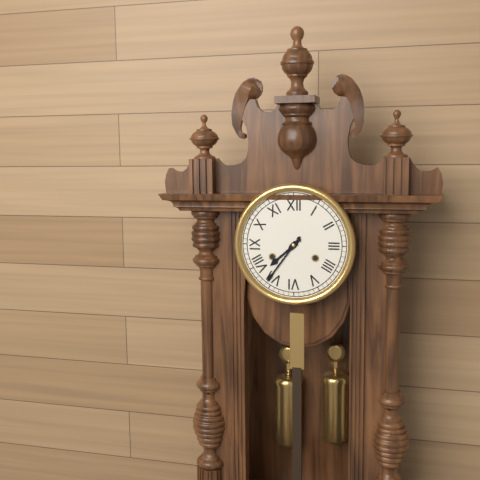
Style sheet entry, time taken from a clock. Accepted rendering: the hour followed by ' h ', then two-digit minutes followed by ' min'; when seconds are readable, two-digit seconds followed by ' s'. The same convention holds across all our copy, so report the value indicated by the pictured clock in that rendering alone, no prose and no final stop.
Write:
7 h 36 min
